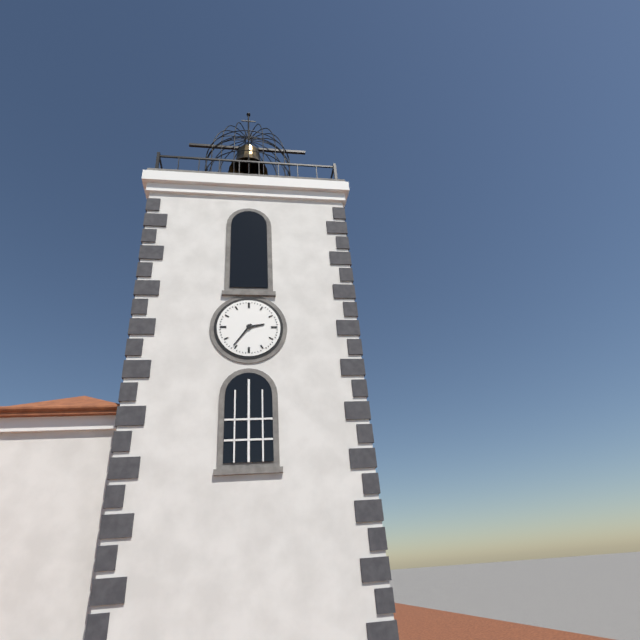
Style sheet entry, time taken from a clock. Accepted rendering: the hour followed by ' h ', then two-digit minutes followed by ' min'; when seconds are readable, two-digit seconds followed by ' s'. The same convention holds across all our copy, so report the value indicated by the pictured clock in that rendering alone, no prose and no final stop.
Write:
2 h 36 min
